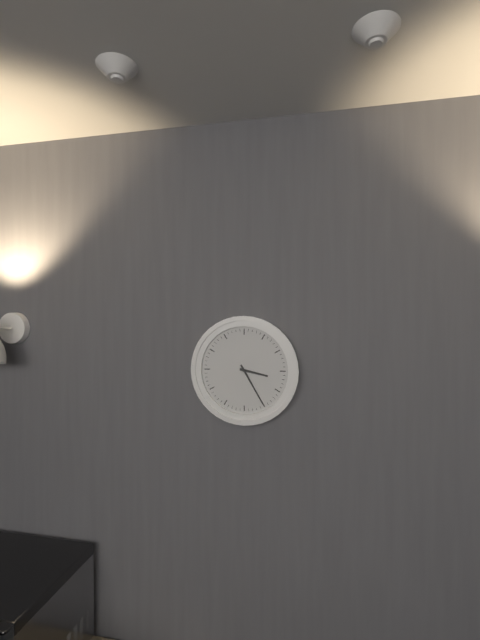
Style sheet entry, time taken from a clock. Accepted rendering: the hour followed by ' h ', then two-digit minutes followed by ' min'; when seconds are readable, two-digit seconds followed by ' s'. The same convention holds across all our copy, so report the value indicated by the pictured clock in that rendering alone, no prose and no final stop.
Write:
3 h 25 min
